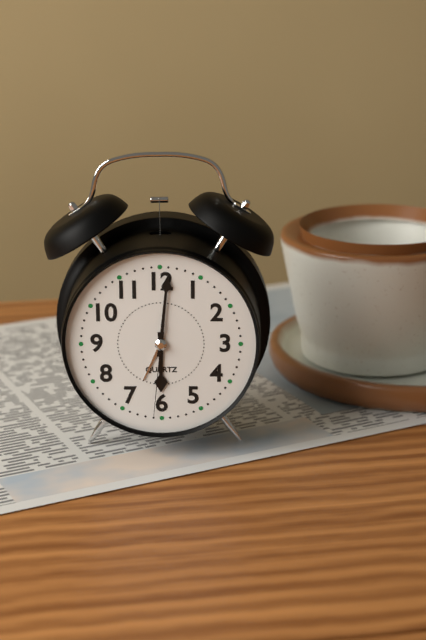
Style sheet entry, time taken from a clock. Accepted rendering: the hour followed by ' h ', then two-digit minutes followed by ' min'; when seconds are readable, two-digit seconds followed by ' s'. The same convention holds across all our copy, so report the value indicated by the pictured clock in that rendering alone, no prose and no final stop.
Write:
6 h 01 min 31 s
